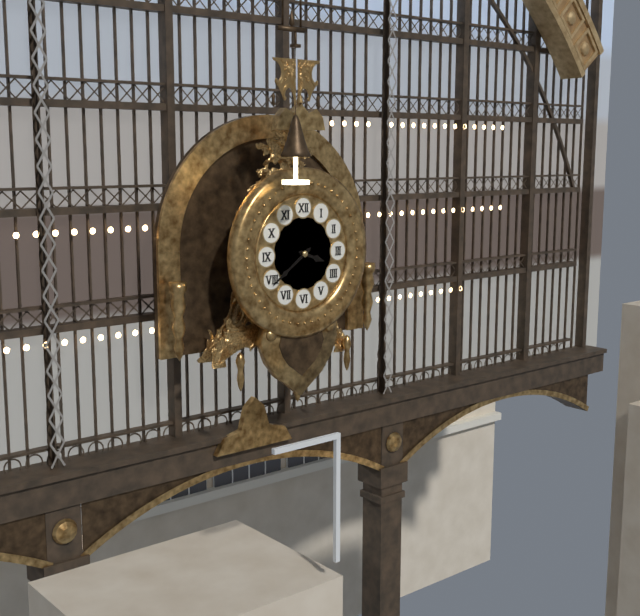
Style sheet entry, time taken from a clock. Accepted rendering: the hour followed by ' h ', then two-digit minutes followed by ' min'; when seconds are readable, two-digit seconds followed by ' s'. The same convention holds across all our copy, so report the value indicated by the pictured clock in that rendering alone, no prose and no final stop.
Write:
3 h 39 min
